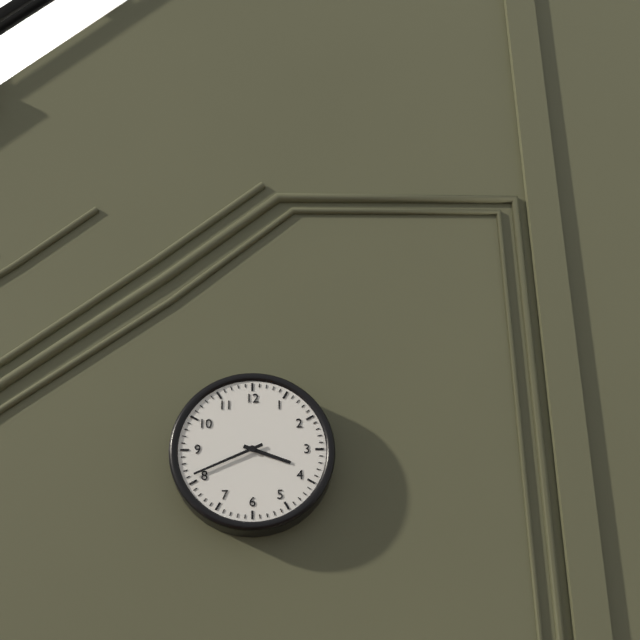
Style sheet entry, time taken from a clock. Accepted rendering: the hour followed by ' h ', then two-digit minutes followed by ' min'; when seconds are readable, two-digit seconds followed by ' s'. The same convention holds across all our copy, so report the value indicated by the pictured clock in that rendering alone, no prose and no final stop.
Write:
3 h 41 min
